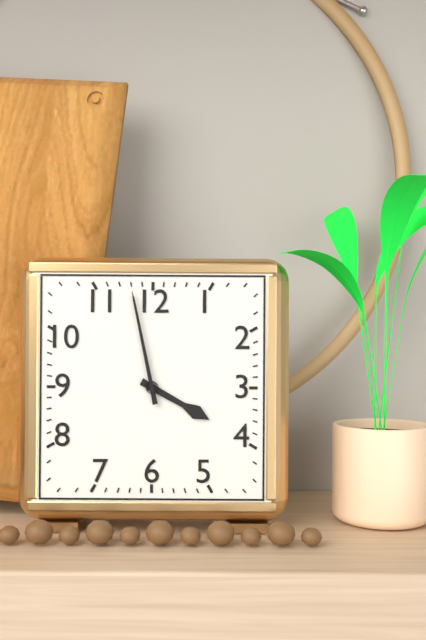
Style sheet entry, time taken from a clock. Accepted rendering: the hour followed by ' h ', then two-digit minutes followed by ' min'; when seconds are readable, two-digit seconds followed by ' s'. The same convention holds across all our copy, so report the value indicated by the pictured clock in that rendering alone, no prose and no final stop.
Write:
3 h 58 min
